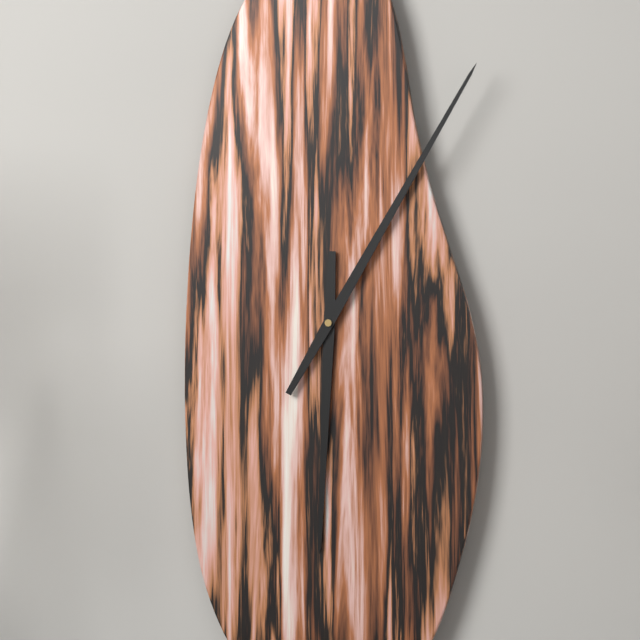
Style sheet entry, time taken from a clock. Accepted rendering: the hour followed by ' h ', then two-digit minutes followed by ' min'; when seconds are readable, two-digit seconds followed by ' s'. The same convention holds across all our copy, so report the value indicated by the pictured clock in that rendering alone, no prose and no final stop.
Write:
6 h 05 min
